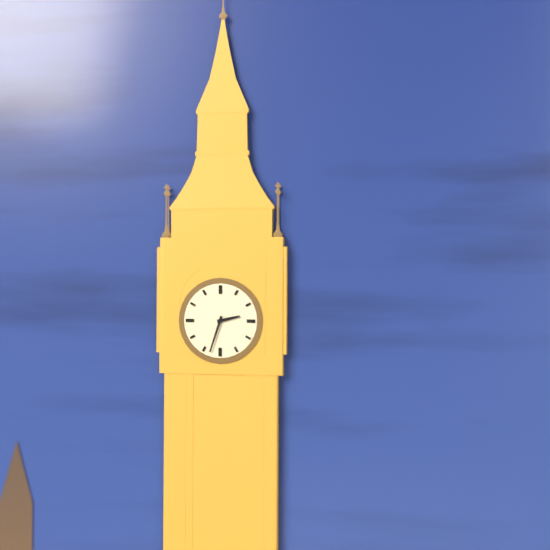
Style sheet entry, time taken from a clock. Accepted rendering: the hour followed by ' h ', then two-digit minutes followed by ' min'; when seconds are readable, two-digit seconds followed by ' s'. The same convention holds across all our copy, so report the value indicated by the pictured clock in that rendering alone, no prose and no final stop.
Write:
2 h 33 min
